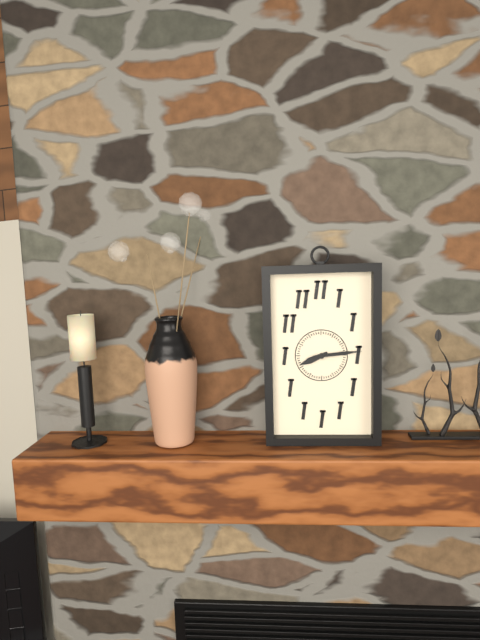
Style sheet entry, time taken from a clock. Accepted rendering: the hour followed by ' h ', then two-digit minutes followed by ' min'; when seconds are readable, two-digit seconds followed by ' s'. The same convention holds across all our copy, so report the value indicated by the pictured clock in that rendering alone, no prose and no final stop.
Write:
8 h 14 min
